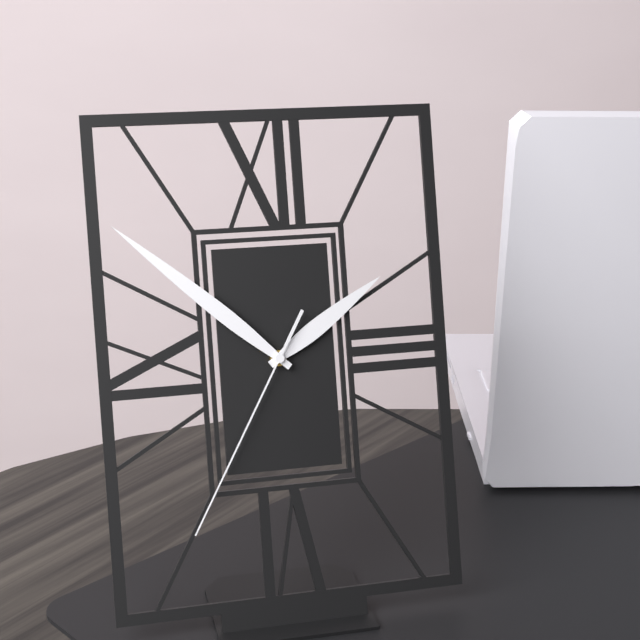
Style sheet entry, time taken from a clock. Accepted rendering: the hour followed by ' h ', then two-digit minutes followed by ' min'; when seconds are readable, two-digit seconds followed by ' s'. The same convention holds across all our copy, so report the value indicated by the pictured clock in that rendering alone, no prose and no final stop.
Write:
1 h 52 min 35 s
